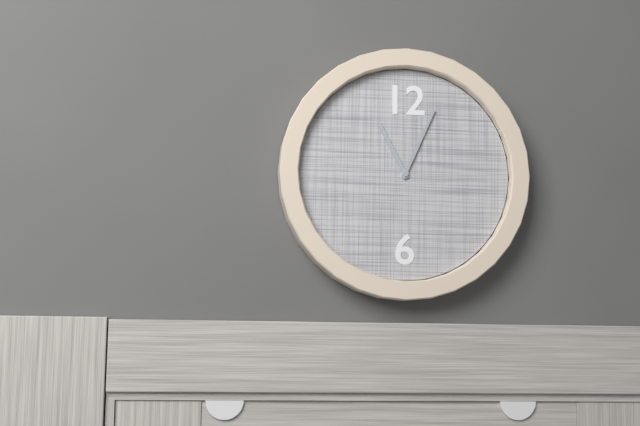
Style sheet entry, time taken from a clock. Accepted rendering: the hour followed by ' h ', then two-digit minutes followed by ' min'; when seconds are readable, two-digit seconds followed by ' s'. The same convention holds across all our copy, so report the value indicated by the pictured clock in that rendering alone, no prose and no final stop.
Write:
11 h 04 min
